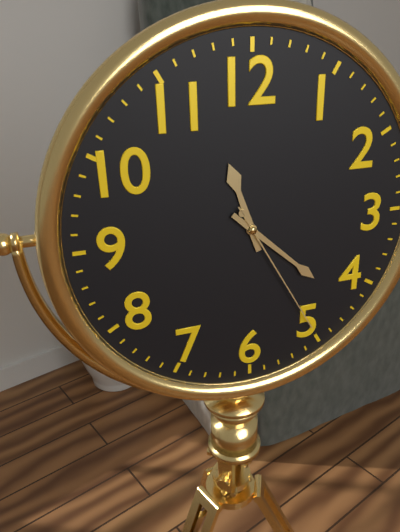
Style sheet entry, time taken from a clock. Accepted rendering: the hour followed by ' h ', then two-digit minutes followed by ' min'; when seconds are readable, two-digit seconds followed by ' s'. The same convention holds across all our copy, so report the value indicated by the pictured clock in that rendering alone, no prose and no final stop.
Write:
11 h 22 min 25 s
